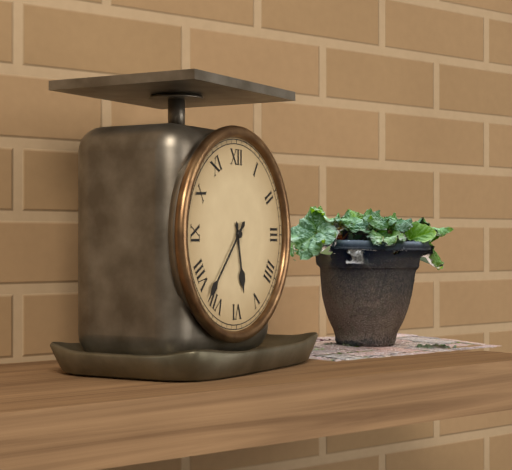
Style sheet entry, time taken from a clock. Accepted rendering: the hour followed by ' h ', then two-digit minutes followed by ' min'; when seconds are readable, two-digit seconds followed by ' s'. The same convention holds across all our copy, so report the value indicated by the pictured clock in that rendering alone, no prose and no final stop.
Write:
5 h 37 min
